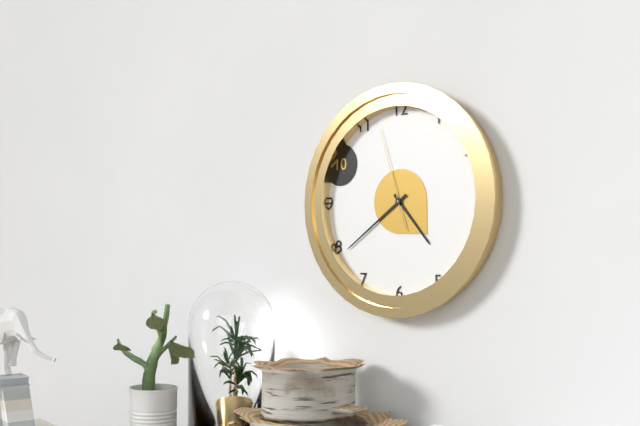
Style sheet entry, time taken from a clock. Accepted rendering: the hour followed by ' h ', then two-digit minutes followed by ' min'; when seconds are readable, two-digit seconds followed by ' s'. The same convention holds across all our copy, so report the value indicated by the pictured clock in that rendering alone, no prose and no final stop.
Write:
4 h 39 min 57 s
